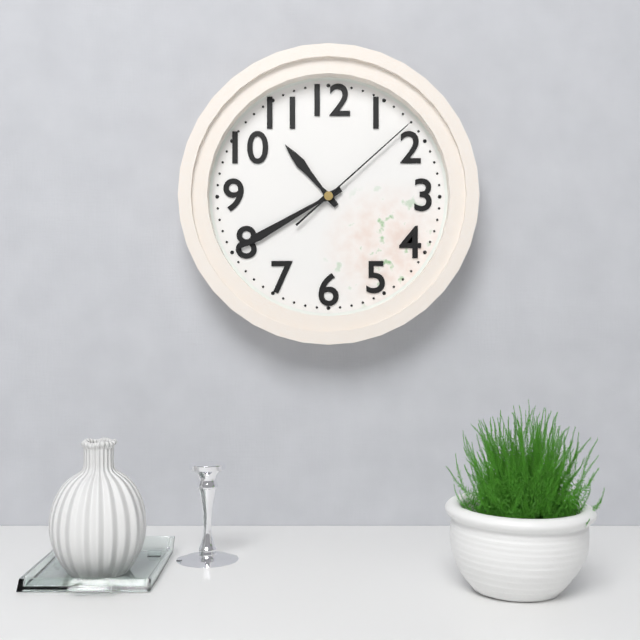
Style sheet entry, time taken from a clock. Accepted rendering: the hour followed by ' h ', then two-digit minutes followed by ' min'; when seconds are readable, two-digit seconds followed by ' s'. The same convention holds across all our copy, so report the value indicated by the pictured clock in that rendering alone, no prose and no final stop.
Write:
10 h 40 min 08 s
